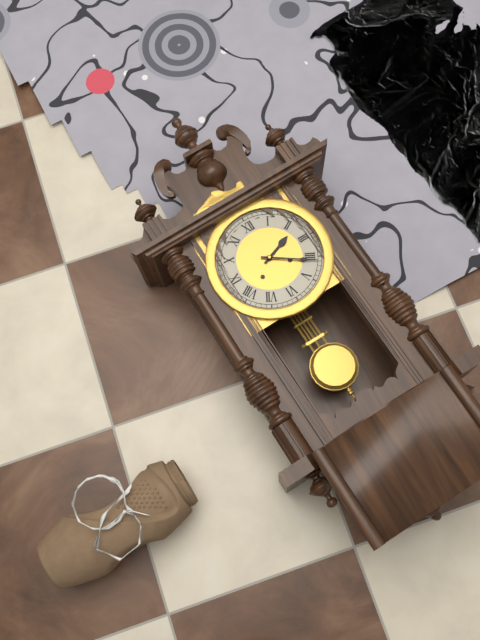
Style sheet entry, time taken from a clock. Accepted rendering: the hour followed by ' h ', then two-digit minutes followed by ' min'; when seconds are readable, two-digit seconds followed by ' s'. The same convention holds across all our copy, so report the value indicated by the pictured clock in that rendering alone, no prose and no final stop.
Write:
2 h 21 min
